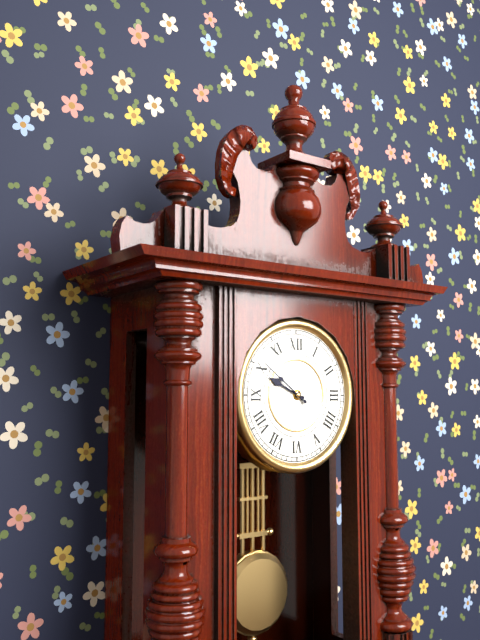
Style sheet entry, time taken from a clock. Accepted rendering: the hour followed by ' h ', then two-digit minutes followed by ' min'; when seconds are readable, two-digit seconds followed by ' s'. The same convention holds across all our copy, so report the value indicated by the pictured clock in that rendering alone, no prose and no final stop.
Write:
9 h 51 min
